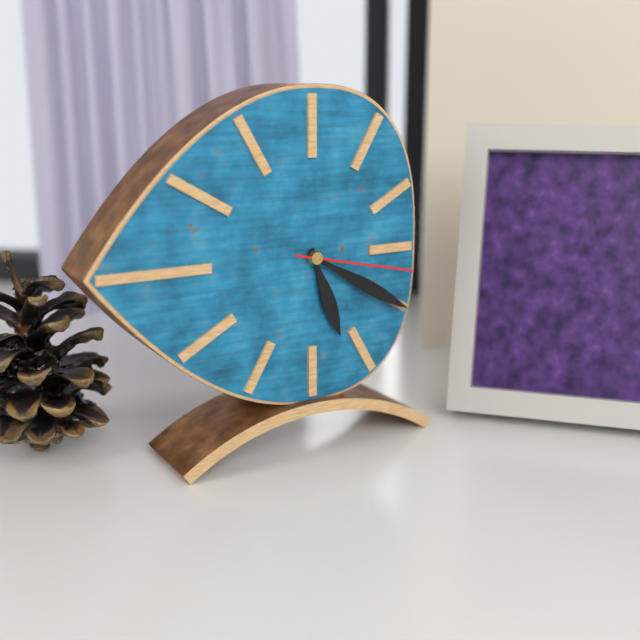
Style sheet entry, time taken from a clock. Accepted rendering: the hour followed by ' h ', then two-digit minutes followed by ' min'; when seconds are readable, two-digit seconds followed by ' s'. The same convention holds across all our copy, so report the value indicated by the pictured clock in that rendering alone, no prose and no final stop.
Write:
5 h 20 min 17 s
